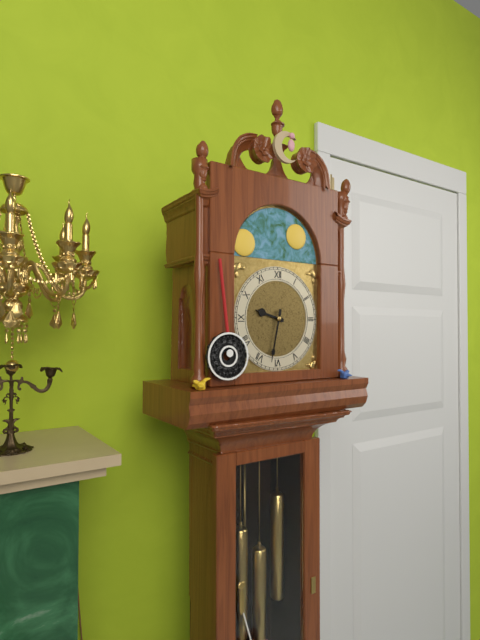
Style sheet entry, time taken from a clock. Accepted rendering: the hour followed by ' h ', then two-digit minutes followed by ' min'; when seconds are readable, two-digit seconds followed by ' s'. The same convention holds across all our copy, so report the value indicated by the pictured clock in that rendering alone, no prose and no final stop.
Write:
9 h 32 min
